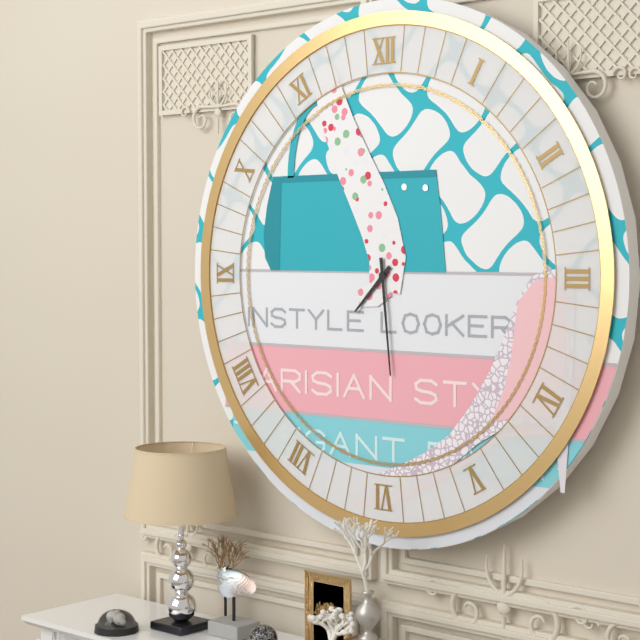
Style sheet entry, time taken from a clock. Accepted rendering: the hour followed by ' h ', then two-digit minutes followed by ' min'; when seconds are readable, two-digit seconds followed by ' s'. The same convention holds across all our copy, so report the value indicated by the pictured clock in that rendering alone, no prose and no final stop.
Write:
7 h 29 min
